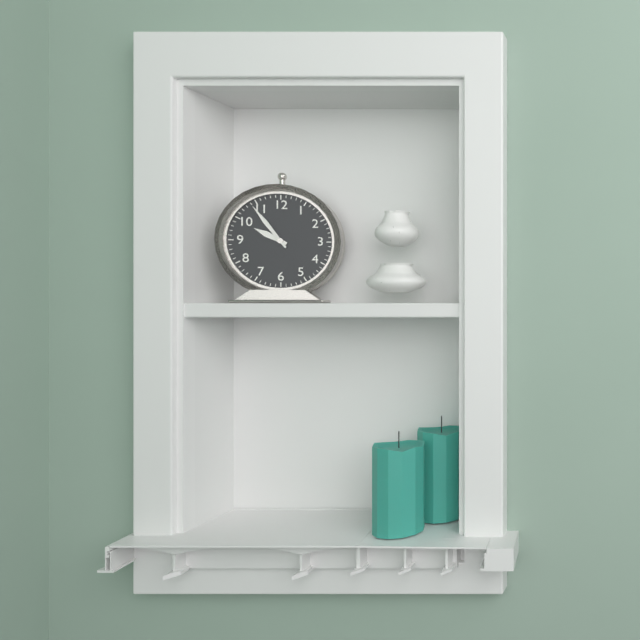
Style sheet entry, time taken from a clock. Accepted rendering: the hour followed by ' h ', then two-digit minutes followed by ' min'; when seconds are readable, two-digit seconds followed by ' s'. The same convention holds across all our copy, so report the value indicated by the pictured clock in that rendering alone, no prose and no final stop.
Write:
9 h 54 min
